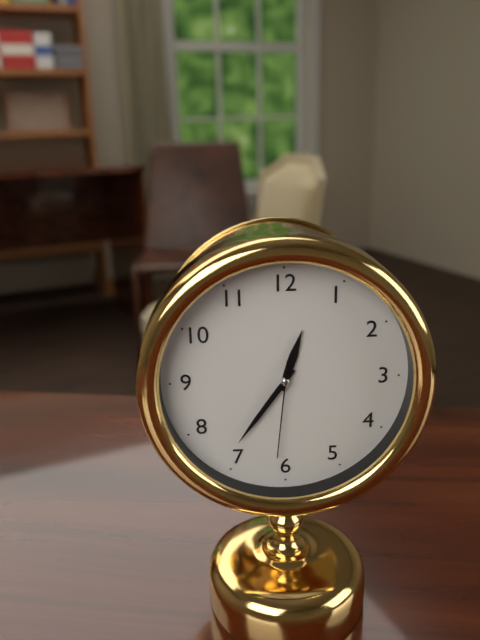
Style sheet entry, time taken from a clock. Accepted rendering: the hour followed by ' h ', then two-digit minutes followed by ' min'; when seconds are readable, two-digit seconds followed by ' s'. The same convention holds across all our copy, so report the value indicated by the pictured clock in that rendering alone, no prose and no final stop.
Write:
12 h 36 min 31 s
